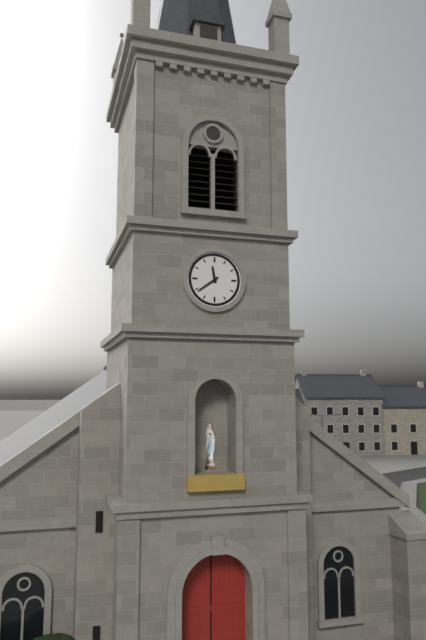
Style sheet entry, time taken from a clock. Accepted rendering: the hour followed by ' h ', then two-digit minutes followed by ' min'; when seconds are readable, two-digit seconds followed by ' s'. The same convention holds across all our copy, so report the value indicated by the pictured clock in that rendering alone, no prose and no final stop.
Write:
11 h 39 min
